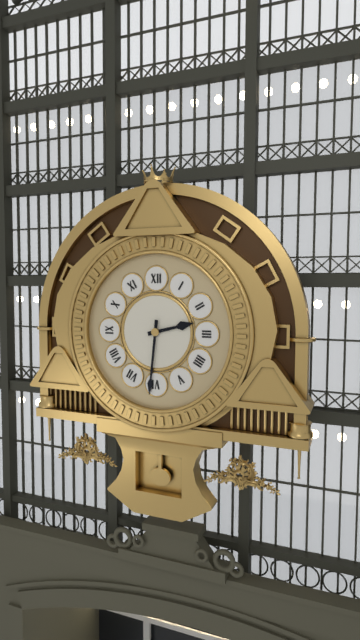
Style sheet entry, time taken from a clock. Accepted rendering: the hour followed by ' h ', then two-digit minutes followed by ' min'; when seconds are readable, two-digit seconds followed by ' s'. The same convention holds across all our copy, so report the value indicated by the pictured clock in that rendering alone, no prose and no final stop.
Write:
2 h 31 min
